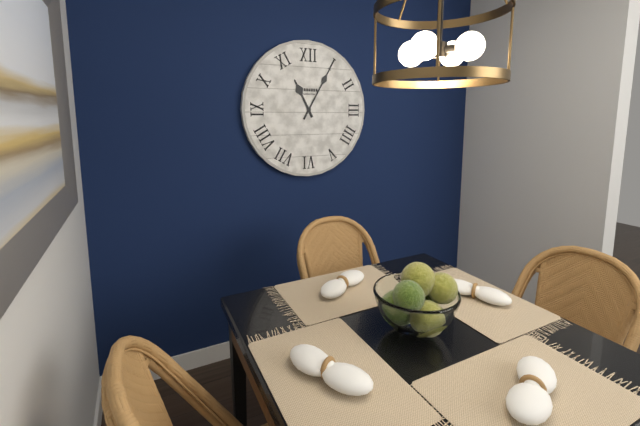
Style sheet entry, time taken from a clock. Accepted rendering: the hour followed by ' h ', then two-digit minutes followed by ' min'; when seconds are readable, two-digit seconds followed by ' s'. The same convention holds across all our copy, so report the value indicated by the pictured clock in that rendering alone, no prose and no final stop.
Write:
11 h 05 min
